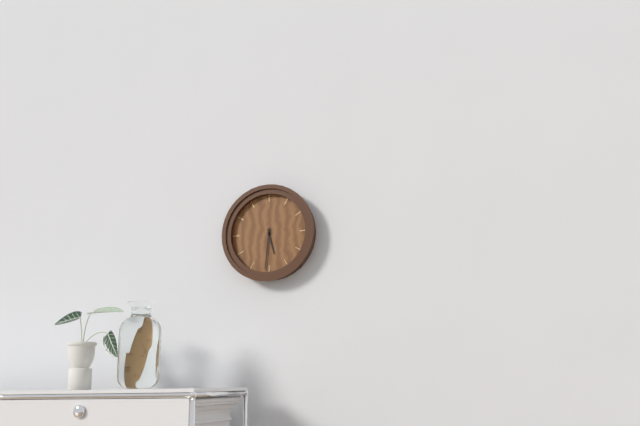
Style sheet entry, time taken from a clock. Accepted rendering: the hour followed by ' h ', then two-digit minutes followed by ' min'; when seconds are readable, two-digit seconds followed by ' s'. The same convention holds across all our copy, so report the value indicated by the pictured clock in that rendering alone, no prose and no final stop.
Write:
5 h 31 min
